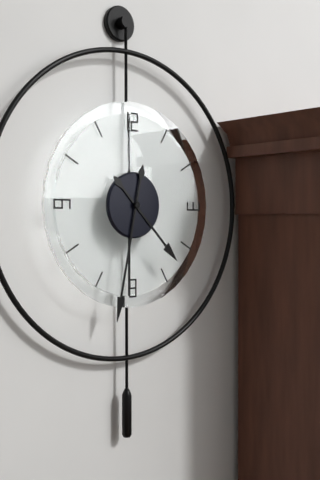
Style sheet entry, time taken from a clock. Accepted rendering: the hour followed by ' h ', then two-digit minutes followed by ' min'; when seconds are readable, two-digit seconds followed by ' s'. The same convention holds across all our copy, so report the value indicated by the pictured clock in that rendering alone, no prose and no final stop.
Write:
4 h 32 min
